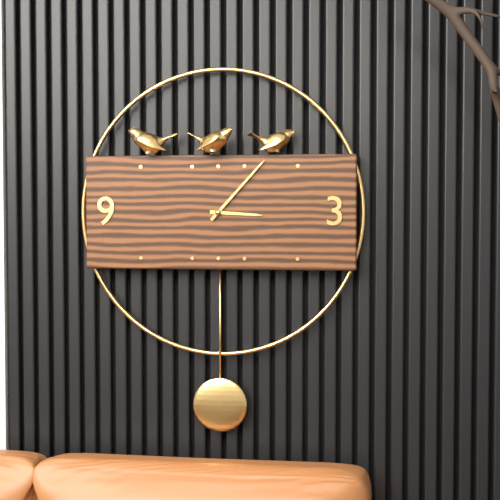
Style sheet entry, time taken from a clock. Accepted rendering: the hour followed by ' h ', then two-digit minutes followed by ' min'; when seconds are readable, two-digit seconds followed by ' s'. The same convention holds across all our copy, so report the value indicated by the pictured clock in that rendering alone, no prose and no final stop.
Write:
3 h 07 min
